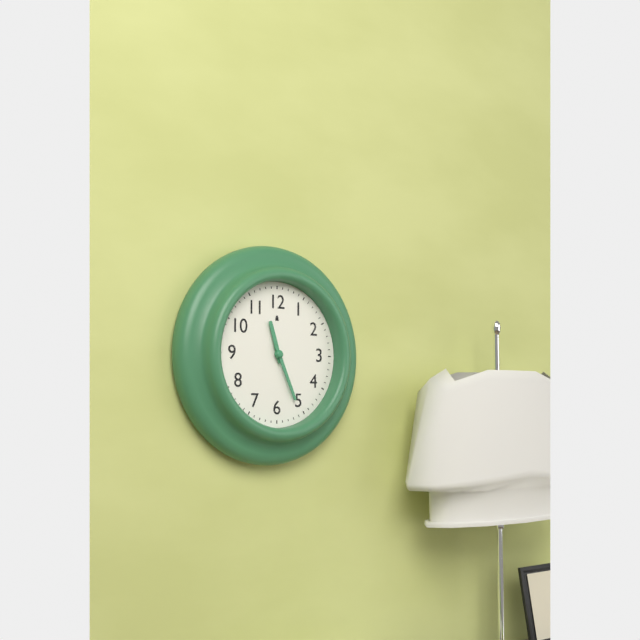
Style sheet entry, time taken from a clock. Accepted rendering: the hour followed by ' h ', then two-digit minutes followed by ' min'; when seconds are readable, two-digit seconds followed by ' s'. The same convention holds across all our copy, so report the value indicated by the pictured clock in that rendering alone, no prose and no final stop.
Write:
11 h 26 min
